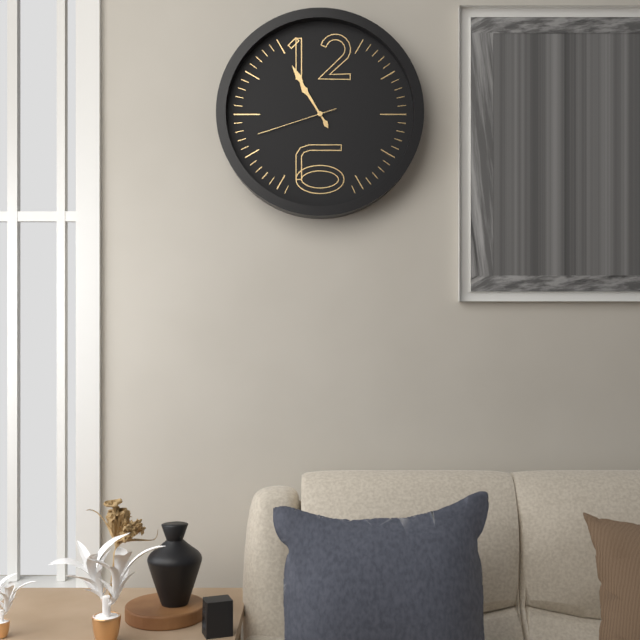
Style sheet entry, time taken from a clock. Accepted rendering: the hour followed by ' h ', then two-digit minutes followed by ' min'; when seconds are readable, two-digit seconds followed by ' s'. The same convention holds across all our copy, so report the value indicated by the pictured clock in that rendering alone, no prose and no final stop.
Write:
10 h 55 min 42 s
